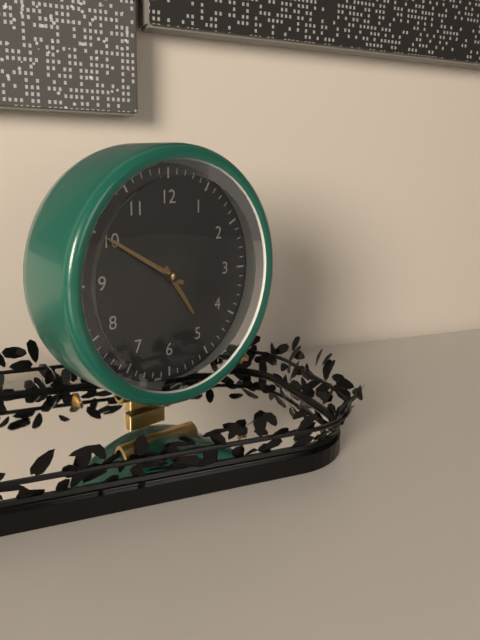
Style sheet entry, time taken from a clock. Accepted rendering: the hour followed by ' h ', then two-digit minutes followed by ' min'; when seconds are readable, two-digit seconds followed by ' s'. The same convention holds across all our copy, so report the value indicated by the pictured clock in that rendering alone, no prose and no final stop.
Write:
4 h 50 min 18 s
